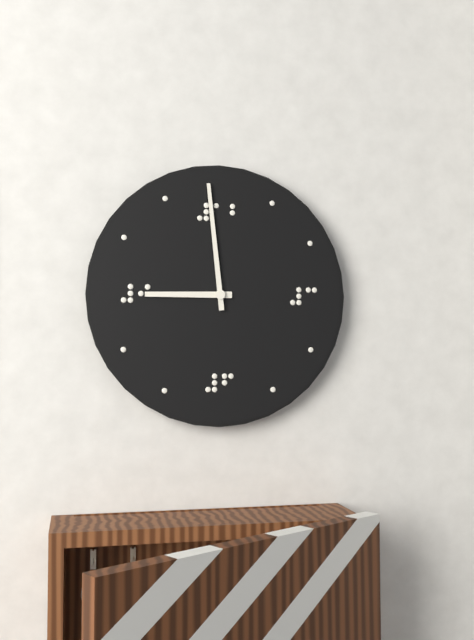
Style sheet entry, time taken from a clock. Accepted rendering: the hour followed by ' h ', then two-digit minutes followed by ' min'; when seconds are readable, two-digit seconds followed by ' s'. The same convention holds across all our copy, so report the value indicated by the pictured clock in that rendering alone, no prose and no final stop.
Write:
8 h 59 min
